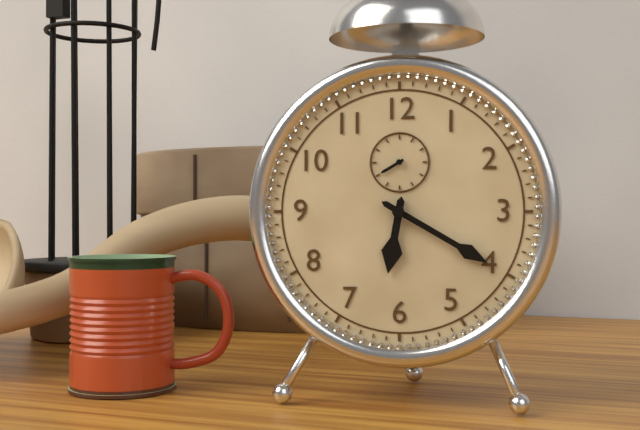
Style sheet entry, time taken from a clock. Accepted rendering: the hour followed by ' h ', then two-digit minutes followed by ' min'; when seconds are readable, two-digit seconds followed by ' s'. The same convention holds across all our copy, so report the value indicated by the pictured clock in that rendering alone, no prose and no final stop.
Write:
6 h 20 min
